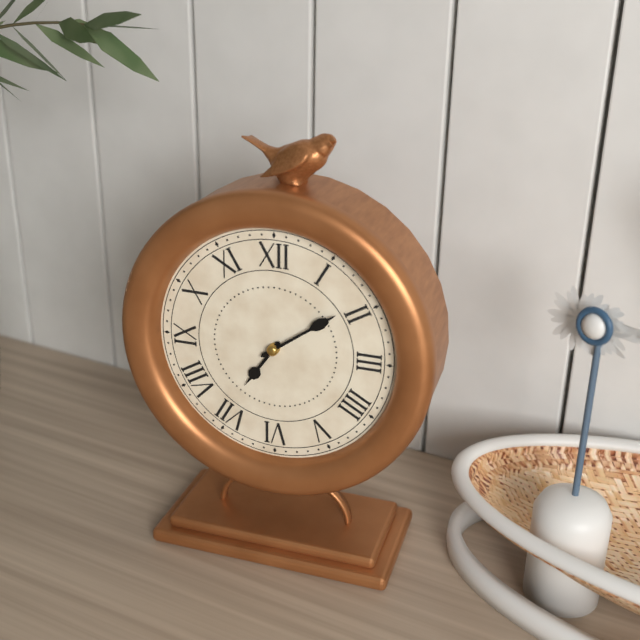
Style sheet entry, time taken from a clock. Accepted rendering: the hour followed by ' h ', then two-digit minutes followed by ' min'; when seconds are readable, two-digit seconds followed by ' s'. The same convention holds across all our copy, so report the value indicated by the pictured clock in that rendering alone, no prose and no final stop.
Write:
7 h 09 min
